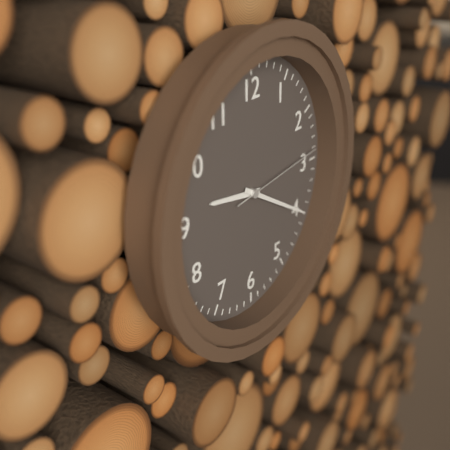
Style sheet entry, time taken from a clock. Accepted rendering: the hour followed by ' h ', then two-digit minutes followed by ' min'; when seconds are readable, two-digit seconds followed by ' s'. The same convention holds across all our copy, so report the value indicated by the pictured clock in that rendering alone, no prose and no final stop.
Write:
9 h 20 min 14 s
